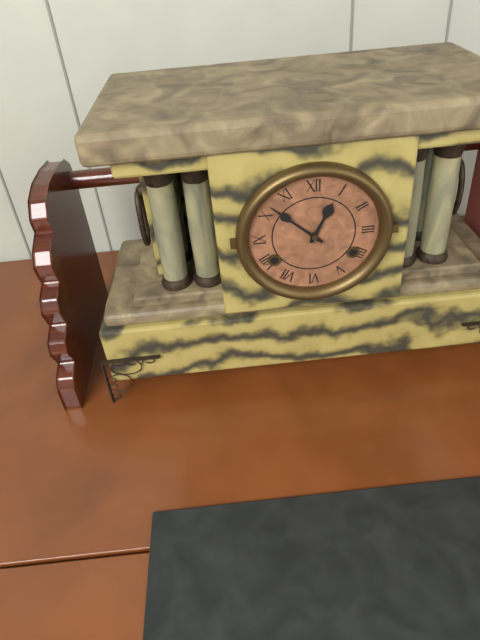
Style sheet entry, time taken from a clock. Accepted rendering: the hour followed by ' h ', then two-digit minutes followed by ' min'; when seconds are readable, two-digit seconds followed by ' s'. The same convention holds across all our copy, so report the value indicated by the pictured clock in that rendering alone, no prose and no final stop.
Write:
12 h 52 min
